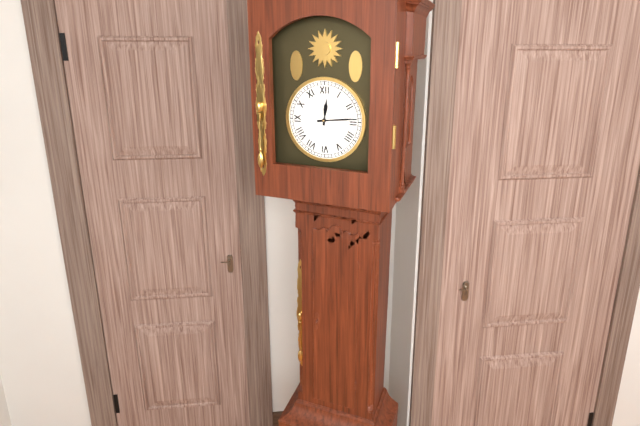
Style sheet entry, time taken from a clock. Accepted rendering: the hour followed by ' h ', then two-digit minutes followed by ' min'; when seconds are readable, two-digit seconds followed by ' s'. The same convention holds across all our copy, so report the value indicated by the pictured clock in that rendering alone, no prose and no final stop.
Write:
12 h 14 min
